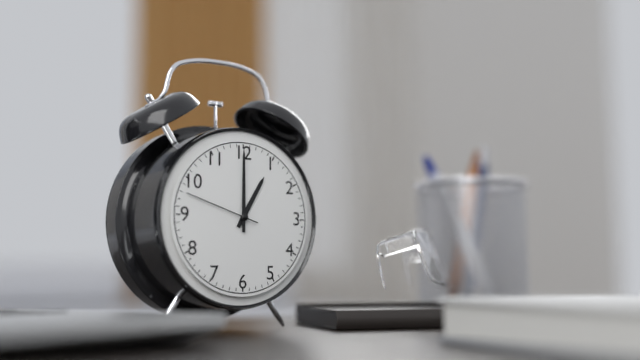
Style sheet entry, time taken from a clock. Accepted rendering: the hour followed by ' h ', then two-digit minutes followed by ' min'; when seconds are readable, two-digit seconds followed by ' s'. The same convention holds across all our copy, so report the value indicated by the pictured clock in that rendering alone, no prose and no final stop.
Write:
1 h 00 min 48 s
